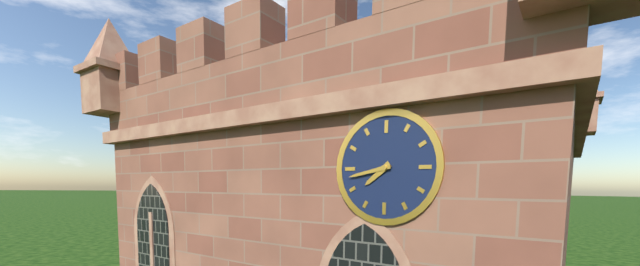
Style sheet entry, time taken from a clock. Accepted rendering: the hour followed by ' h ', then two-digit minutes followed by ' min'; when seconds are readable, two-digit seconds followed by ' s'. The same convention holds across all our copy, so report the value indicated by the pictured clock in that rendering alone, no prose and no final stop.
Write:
7 h 43 min
